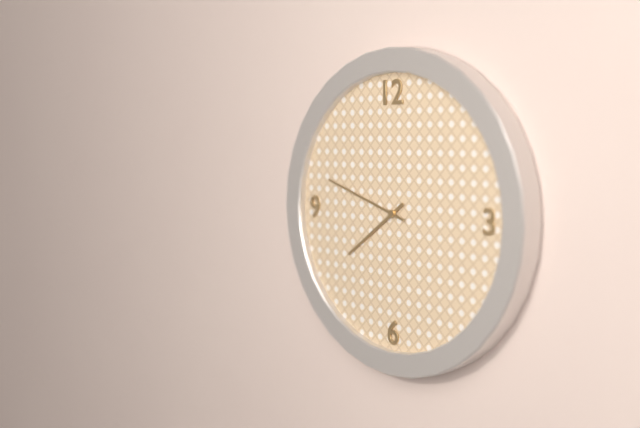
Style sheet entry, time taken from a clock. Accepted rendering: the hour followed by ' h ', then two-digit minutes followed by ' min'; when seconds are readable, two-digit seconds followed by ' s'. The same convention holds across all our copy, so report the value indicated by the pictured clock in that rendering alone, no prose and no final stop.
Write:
7 h 48 min
